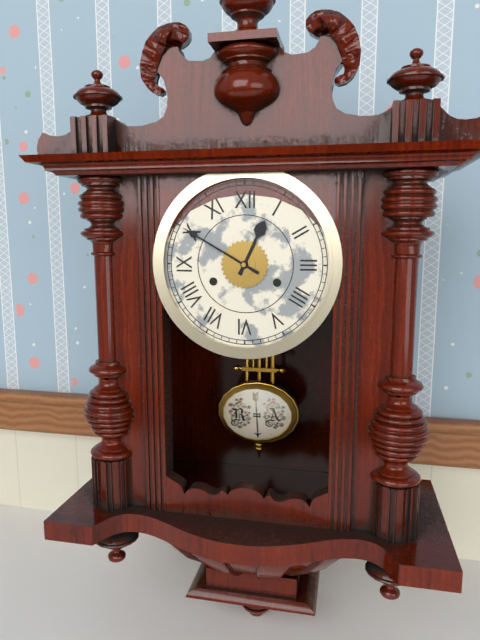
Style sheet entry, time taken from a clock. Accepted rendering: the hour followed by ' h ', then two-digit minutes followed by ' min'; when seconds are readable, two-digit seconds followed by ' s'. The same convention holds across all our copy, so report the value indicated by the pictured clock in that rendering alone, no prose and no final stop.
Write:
12 h 50 min
